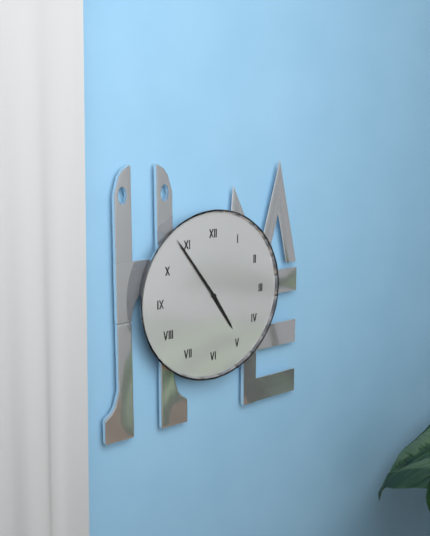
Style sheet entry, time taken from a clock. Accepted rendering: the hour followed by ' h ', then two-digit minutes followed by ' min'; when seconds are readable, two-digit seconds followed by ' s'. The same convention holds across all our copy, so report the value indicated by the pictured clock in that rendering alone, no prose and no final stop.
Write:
4 h 54 min
